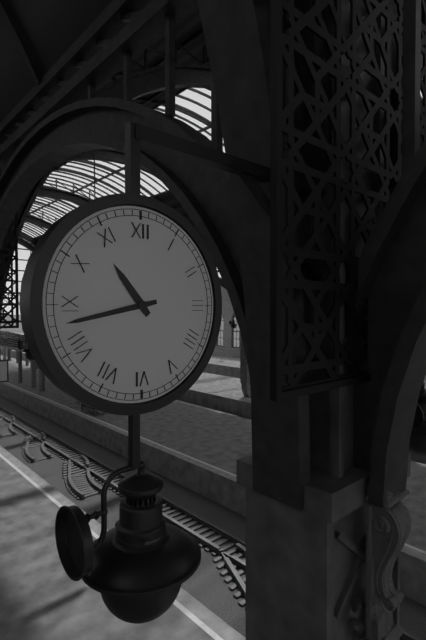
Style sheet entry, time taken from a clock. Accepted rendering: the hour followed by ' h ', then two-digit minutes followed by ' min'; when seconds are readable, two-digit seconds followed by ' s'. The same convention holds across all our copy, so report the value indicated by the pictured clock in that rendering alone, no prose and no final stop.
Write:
10 h 43 min
